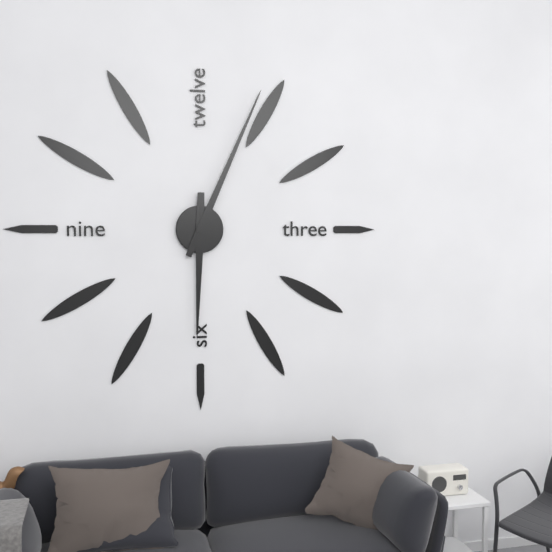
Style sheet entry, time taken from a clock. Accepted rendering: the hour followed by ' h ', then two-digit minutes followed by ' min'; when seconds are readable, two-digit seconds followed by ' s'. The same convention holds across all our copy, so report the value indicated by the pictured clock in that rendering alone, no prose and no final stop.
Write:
6 h 04 min
